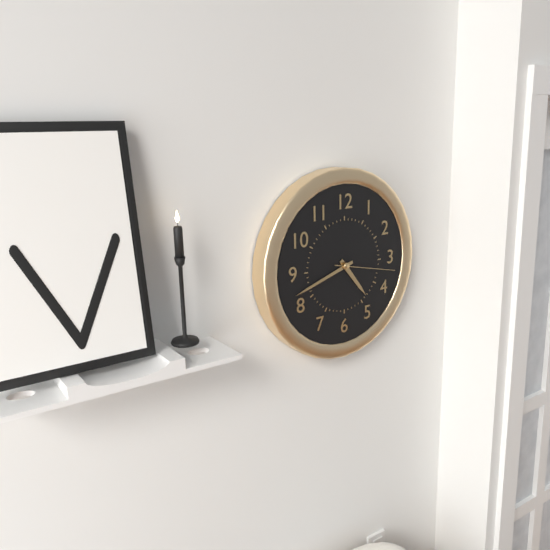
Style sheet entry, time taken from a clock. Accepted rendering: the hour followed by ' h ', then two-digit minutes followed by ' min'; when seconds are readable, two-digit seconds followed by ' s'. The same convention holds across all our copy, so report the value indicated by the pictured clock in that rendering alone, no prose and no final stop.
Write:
4 h 42 min 17 s
